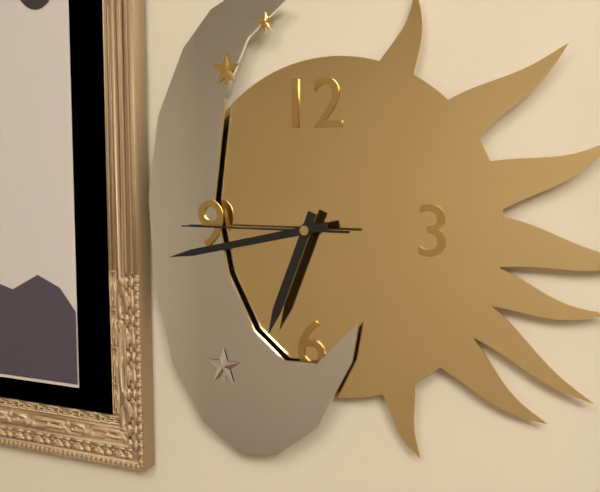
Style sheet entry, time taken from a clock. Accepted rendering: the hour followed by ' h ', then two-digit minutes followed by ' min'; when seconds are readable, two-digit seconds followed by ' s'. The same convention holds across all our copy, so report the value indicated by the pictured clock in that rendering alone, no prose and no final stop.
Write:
6 h 43 min 45 s
